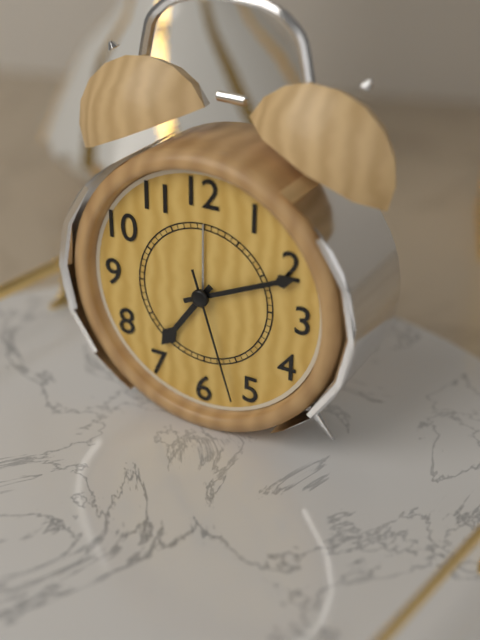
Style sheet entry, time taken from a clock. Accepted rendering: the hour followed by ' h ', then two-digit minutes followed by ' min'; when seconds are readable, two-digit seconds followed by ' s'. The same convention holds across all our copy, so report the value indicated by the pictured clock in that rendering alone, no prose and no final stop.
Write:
7 h 11 min 27 s
